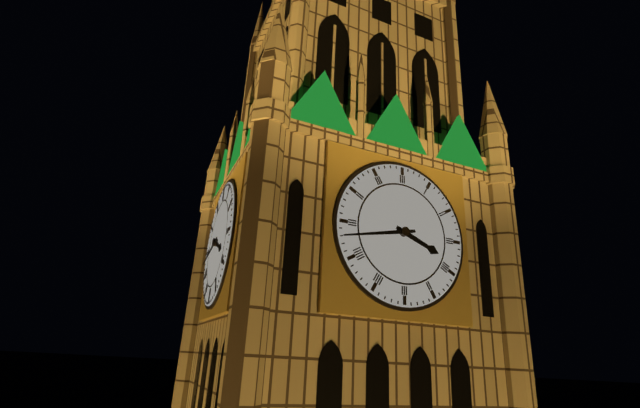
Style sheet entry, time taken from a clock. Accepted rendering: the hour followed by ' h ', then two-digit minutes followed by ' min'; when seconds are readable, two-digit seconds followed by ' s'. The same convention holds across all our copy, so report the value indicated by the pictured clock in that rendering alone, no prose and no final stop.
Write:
3 h 43 min
